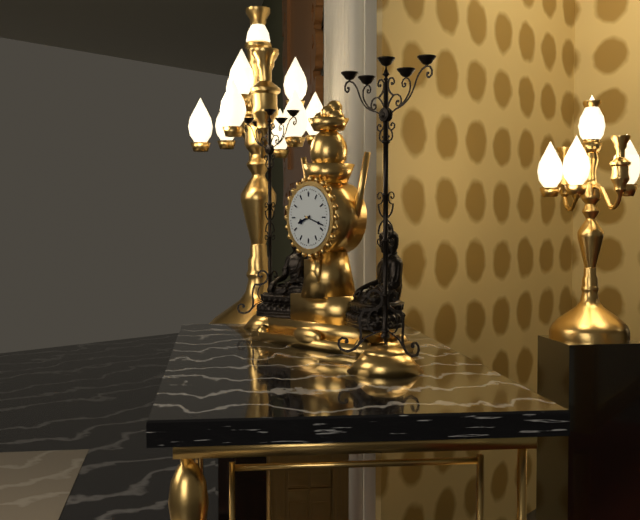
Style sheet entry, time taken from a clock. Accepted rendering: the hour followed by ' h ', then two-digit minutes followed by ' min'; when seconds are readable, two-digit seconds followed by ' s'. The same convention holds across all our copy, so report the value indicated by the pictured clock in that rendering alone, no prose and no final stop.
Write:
8 h 18 min
